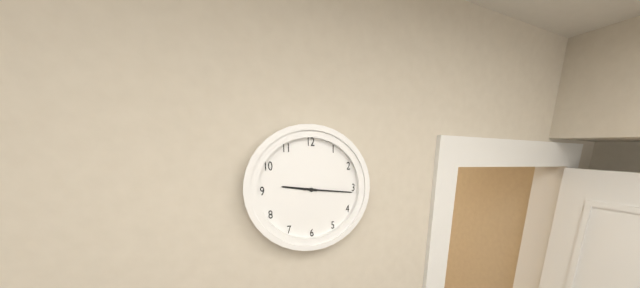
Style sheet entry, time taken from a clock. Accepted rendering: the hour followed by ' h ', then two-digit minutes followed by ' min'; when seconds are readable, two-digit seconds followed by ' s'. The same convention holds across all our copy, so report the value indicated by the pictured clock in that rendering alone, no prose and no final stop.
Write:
9 h 16 min
